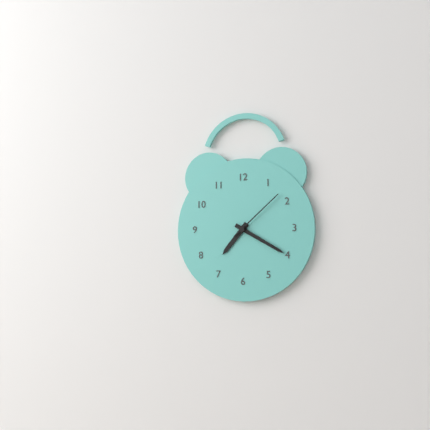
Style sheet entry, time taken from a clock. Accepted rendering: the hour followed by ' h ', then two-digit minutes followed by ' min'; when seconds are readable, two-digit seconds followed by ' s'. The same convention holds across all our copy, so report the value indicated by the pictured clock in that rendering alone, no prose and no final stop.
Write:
7 h 20 min 08 s
